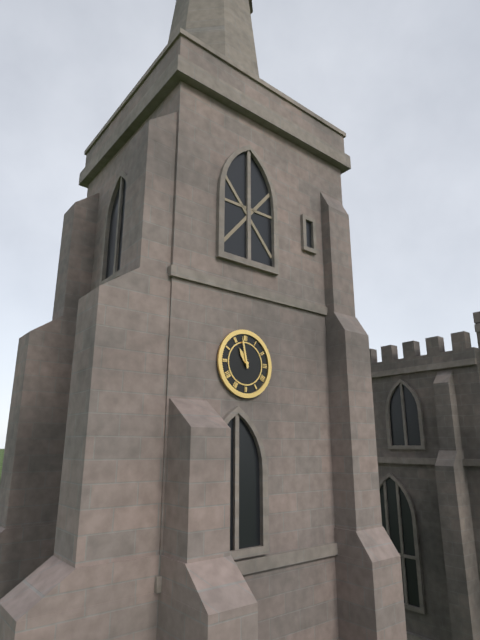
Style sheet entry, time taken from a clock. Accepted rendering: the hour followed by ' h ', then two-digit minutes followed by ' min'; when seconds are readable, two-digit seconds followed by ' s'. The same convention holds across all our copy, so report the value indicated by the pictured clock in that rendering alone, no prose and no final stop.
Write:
10 h 58 min
